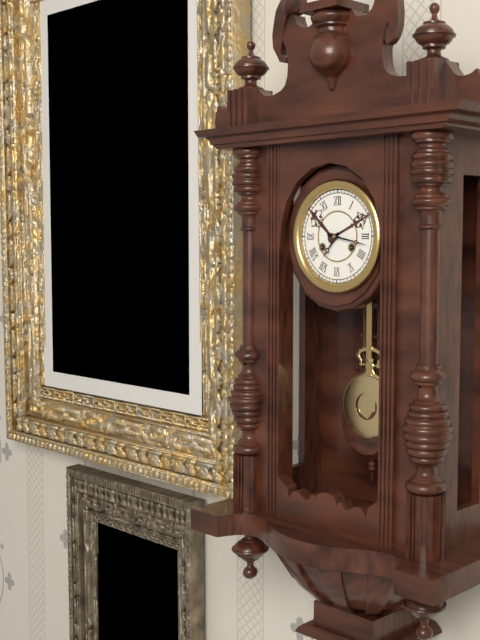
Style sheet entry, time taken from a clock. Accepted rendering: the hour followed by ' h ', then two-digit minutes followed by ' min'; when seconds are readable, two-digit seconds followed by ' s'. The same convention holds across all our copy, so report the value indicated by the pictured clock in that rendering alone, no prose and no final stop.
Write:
7 h 17 min
